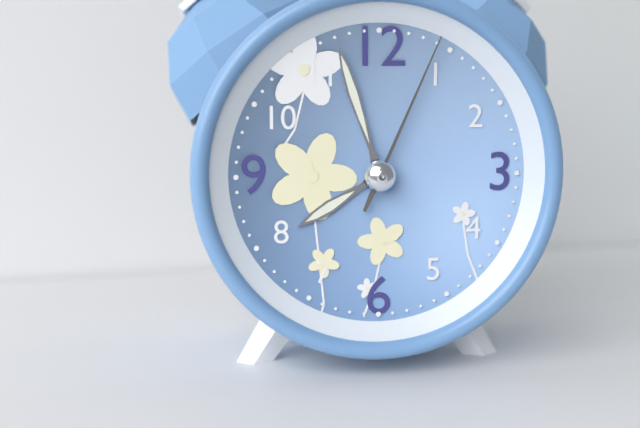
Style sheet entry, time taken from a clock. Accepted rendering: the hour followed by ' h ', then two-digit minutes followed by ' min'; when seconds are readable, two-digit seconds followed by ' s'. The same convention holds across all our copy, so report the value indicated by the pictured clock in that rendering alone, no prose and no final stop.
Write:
7 h 57 min 04 s
